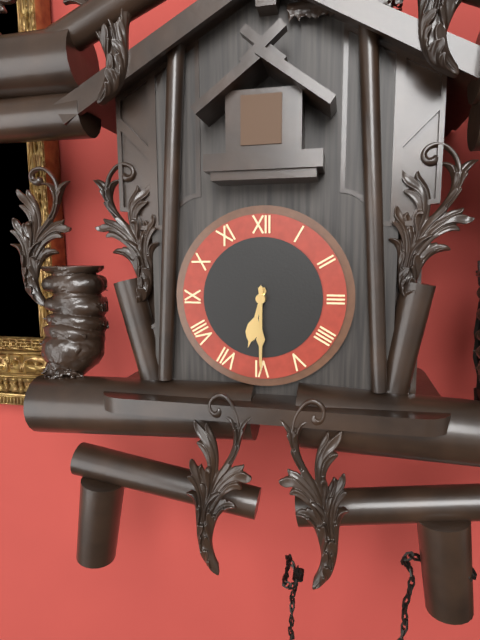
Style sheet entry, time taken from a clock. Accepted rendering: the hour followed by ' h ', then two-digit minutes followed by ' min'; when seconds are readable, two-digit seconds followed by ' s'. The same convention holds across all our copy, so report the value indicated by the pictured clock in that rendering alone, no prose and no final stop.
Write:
6 h 30 min
